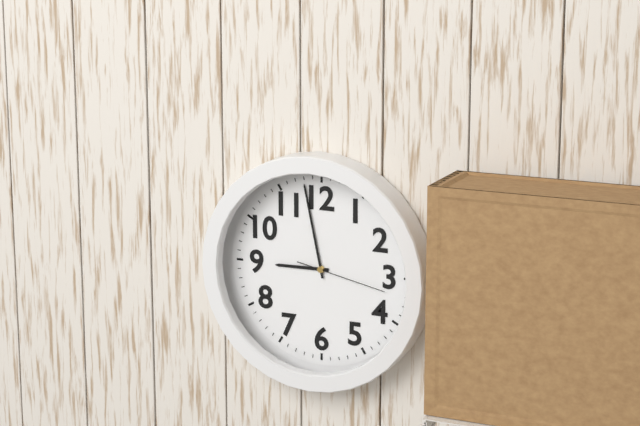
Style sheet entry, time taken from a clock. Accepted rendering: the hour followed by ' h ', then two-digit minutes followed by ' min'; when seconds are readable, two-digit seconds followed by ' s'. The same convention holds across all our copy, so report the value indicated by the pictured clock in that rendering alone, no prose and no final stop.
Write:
8 h 58 min 17 s
